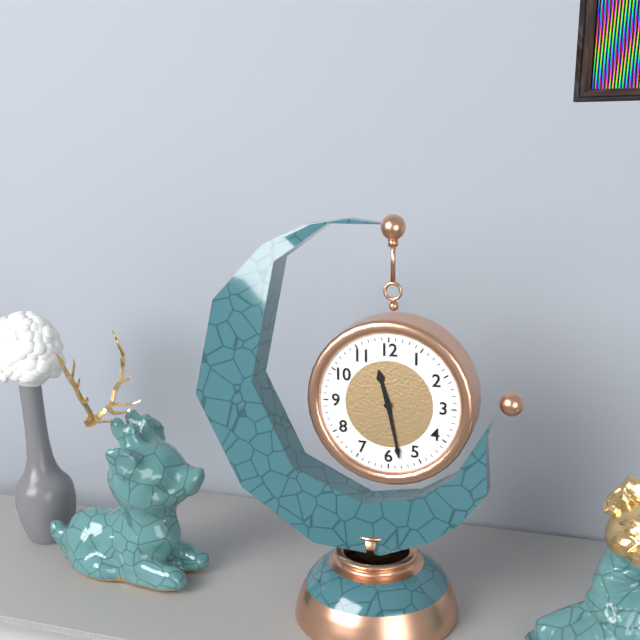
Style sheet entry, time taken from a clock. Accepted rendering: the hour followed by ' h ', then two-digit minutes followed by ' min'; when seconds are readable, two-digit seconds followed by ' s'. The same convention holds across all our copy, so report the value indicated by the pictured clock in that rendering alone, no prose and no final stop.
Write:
11 h 28 min
